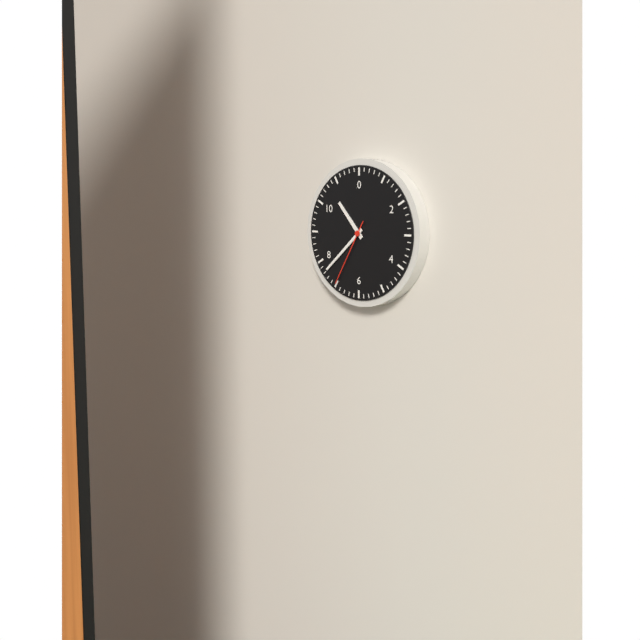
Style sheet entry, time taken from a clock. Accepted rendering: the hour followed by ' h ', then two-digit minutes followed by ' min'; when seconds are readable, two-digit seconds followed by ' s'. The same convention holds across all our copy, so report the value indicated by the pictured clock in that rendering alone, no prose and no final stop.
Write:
10 h 38 min 35 s
